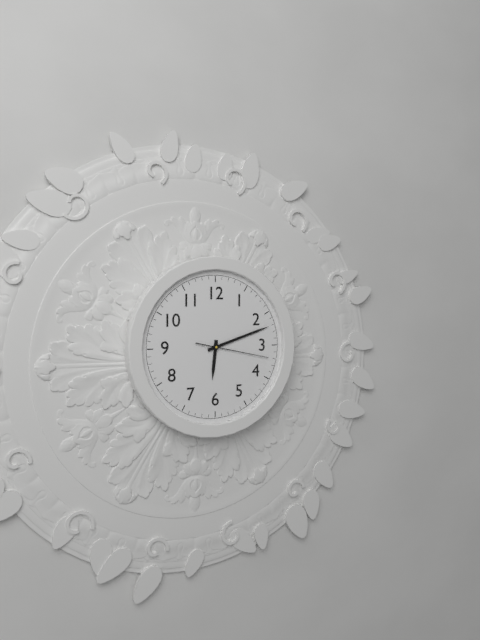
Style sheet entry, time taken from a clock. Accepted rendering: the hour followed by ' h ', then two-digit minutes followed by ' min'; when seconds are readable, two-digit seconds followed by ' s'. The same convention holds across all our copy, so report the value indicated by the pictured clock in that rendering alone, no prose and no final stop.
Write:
6 h 12 min 17 s
